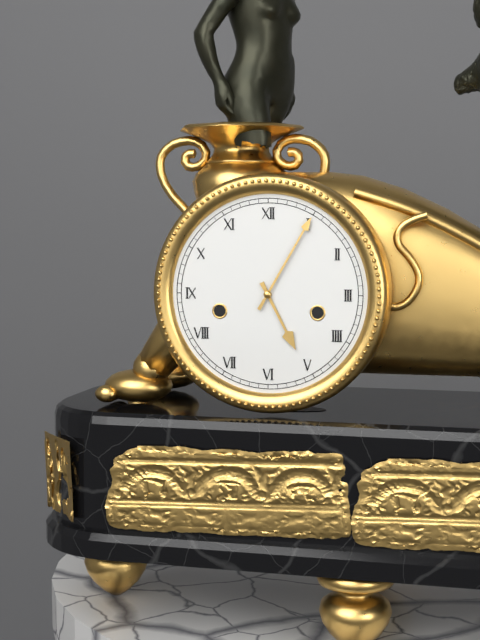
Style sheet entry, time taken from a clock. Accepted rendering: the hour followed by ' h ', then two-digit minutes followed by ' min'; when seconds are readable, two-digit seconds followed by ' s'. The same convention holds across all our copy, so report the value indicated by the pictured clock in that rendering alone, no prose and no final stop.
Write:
5 h 05 min
